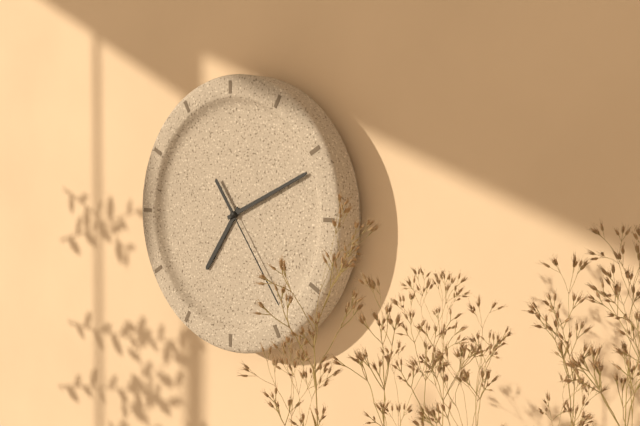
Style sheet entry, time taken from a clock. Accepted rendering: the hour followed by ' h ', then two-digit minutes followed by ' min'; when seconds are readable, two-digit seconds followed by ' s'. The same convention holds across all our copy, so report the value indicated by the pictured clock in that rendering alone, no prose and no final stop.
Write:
7 h 11 min 24 s
